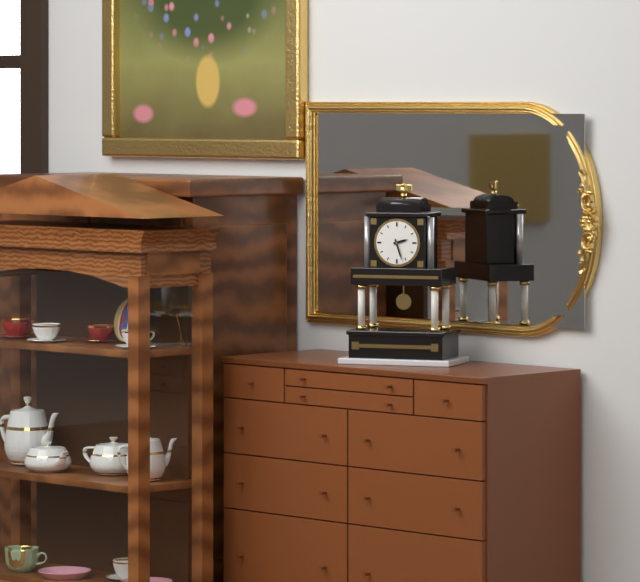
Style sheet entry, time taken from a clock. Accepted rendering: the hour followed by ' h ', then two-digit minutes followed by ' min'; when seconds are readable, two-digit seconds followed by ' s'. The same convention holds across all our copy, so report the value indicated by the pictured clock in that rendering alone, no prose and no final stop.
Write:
2 h 27 min
